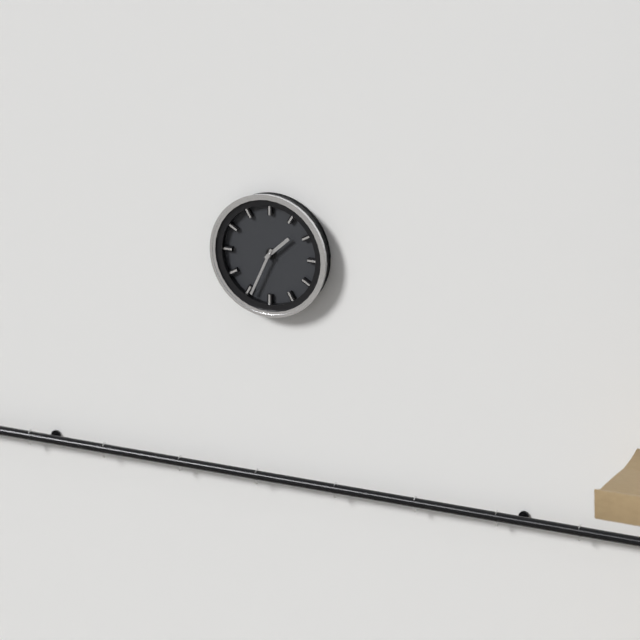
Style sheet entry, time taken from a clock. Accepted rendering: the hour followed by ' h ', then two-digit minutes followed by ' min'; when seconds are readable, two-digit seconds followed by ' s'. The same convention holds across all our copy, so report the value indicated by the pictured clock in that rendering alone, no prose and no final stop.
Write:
1 h 34 min
